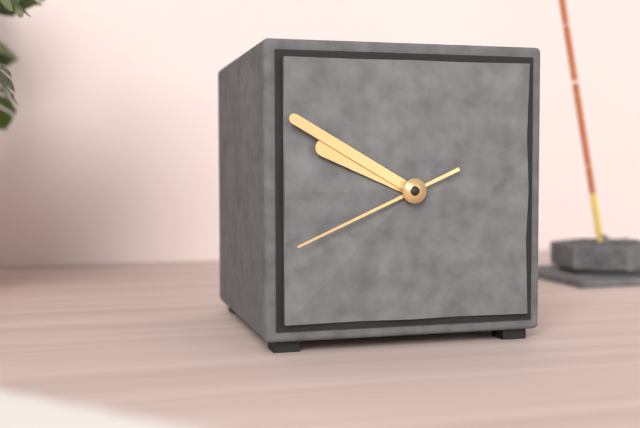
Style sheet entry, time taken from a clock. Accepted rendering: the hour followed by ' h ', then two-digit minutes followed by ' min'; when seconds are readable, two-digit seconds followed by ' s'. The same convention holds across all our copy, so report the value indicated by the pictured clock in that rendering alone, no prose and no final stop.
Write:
9 h 50 min 41 s
